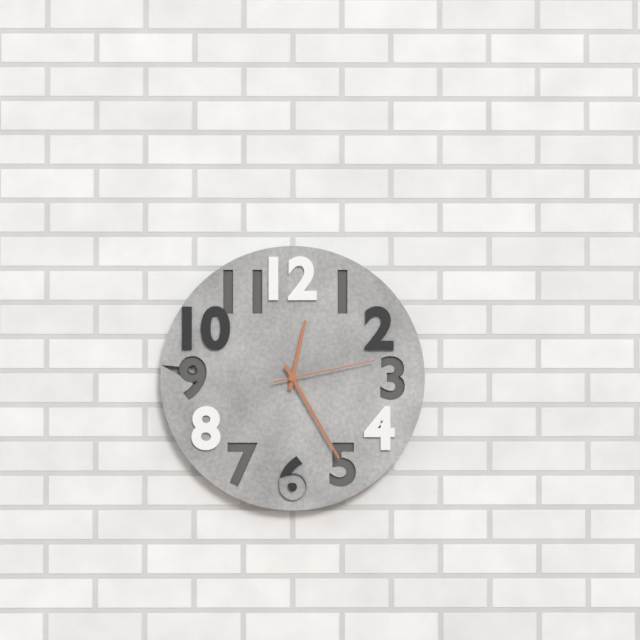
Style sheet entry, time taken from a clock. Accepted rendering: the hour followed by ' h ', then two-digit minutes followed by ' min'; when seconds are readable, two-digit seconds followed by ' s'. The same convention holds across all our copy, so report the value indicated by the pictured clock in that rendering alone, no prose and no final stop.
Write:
12 h 25 min 13 s
